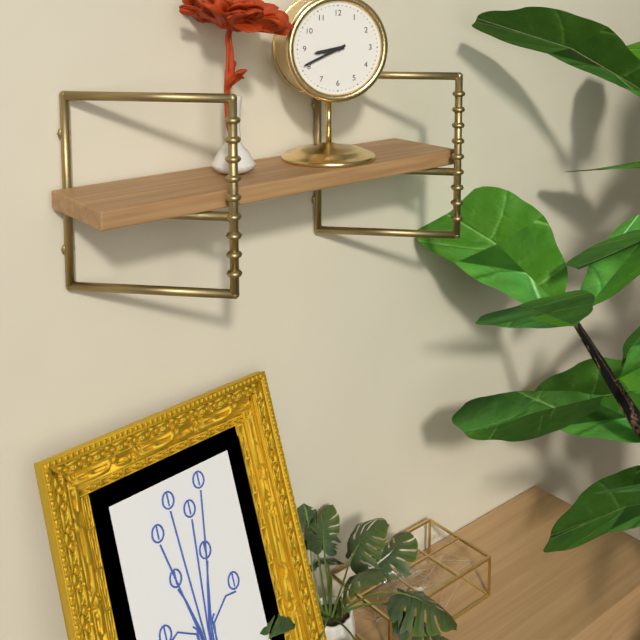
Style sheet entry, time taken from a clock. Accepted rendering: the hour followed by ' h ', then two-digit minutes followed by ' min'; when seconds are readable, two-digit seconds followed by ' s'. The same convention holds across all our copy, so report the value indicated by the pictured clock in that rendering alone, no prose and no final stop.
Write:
8 h 41 min
